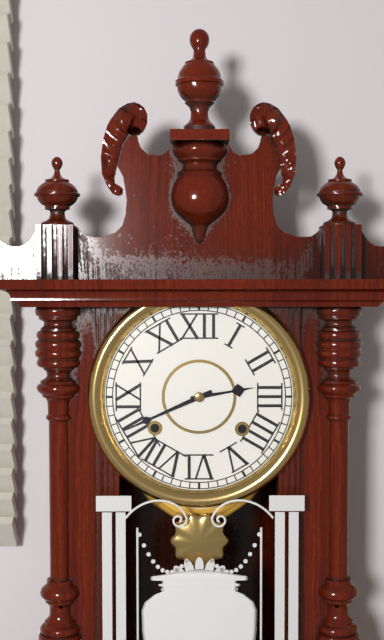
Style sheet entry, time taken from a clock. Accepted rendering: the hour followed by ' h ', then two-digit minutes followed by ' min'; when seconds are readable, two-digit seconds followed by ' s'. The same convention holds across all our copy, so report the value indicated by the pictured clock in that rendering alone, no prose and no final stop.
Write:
2 h 41 min
